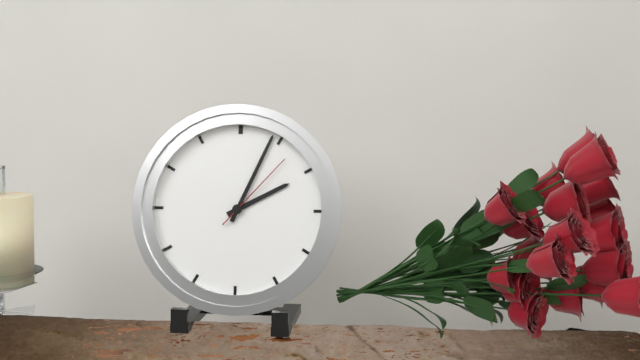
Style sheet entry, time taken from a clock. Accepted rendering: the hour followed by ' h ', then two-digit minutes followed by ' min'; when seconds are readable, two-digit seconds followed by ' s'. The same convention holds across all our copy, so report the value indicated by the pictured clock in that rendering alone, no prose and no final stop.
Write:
2 h 04 min 07 s
